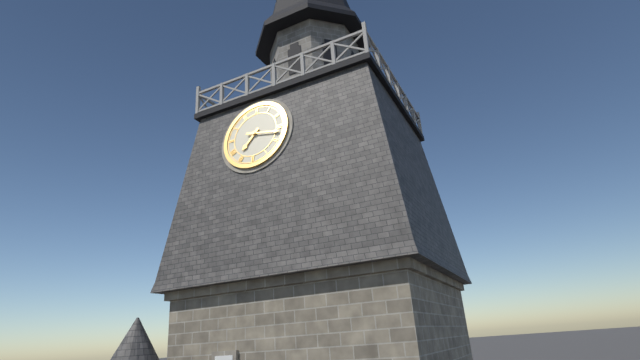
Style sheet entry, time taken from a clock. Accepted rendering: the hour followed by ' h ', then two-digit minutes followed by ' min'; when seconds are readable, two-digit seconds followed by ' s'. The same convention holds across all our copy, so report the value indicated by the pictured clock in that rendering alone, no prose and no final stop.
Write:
7 h 17 min
